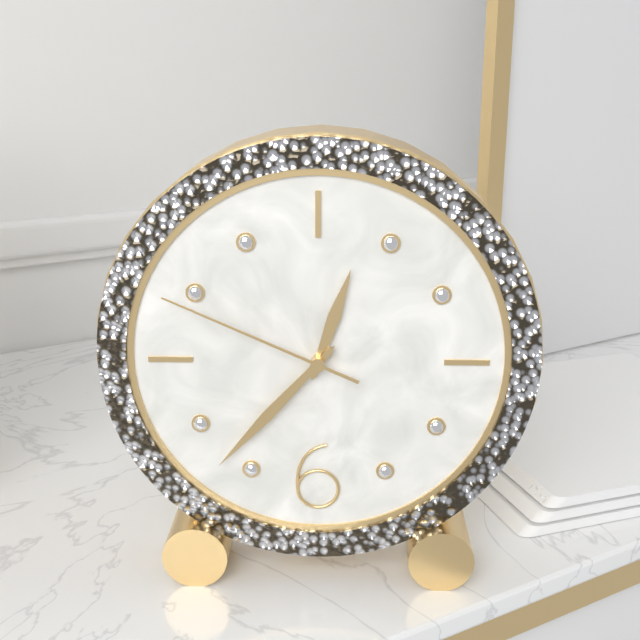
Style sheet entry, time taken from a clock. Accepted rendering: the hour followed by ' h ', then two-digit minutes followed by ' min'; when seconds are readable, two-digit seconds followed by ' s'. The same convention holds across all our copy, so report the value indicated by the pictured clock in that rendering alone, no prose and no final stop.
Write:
12 h 37 min 49 s
